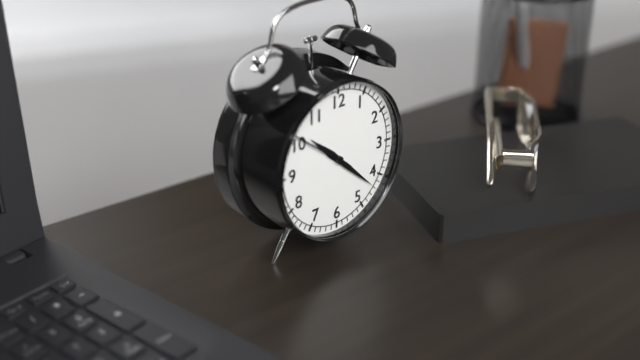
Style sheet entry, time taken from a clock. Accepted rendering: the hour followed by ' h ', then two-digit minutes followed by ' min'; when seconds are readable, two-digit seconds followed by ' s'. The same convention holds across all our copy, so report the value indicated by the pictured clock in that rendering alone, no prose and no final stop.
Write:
10 h 22 min
